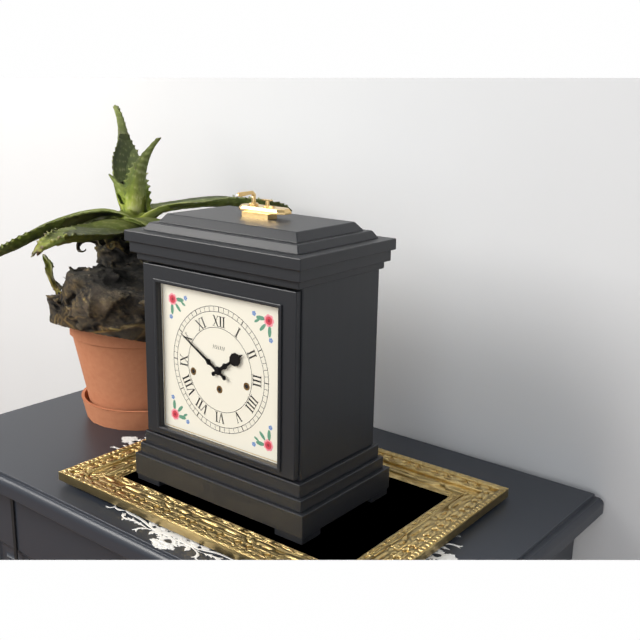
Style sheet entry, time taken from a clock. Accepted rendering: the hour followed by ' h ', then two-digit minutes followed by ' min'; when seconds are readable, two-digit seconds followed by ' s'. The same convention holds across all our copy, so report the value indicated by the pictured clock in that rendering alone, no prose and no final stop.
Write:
1 h 50 min
